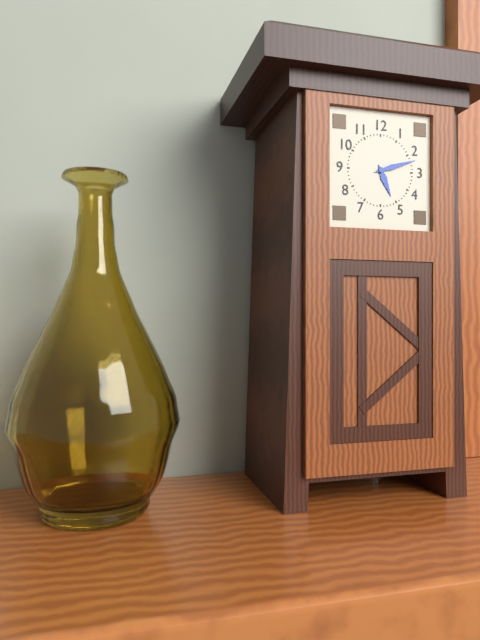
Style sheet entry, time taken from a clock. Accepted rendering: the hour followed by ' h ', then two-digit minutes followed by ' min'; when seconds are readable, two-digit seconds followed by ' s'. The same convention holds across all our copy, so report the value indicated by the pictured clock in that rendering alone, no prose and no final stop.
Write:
5 h 12 min
